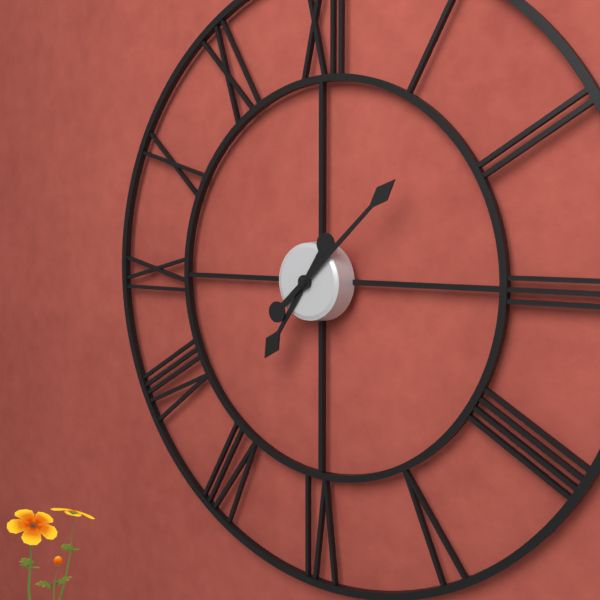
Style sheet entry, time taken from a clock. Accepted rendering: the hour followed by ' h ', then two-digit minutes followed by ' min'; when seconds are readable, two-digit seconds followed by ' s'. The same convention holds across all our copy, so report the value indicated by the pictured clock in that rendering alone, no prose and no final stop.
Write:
7 h 08 min
